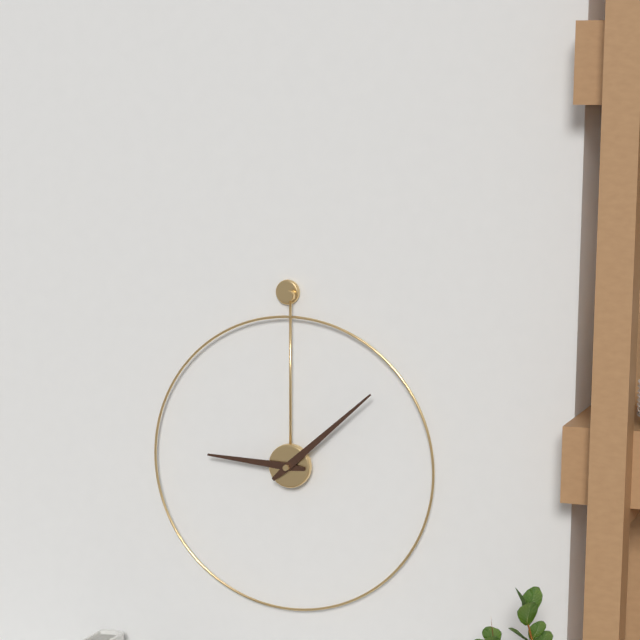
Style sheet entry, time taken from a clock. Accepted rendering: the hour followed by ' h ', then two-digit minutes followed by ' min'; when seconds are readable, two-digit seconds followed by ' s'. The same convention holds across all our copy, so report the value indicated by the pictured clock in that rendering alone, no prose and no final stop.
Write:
9 h 08 min
